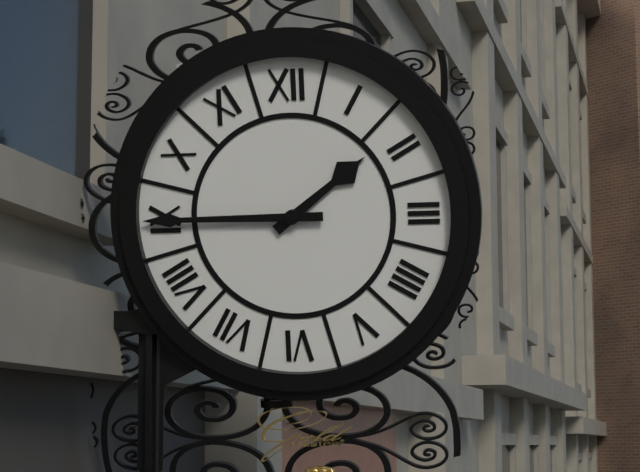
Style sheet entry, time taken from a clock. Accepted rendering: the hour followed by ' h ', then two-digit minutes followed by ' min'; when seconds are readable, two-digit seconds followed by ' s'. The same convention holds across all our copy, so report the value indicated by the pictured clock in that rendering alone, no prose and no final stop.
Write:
1 h 45 min
